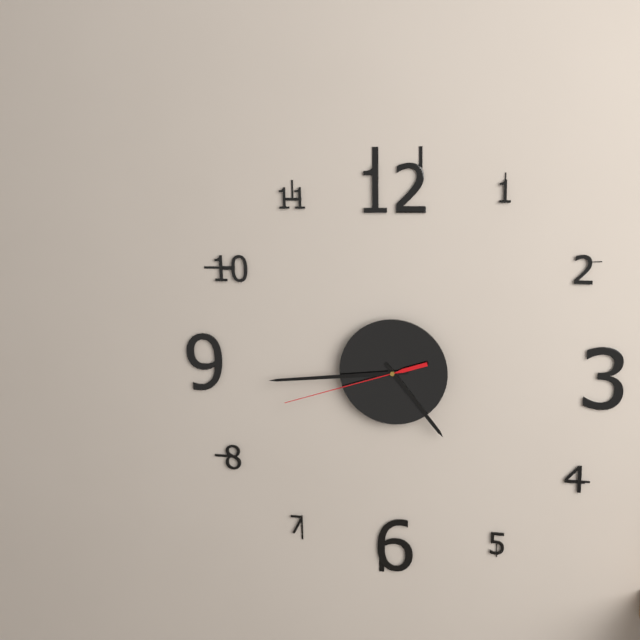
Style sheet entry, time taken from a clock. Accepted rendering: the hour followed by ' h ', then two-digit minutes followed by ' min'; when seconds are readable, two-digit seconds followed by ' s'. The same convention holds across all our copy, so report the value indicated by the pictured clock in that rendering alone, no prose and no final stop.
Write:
4 h 44 min 42 s
